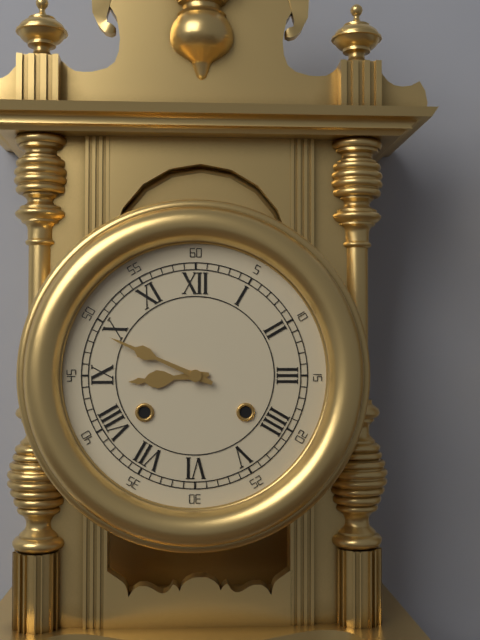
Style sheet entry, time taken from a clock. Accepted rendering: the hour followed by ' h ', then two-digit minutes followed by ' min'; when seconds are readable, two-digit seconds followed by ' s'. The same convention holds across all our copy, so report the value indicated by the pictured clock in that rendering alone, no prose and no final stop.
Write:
8 h 49 min
